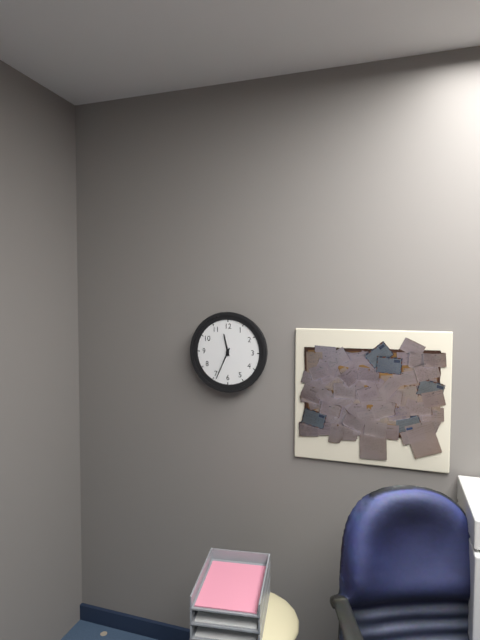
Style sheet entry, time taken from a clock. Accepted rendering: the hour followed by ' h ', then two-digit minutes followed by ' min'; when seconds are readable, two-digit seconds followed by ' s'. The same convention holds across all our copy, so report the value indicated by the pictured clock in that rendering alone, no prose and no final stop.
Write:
11 h 34 min
